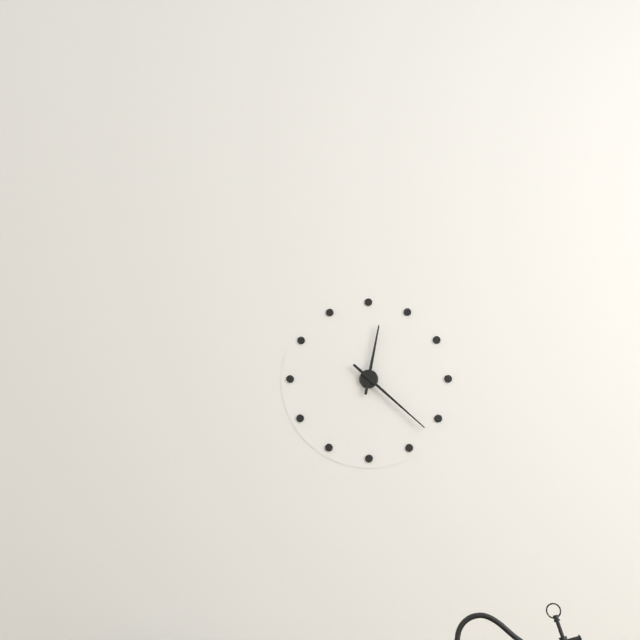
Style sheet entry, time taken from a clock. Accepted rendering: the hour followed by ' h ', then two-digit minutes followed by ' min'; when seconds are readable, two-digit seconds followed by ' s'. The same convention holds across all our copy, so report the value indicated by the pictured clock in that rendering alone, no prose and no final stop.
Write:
12 h 22 min
